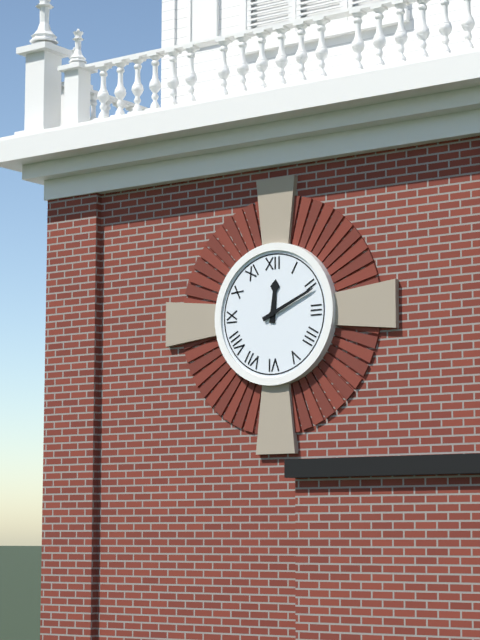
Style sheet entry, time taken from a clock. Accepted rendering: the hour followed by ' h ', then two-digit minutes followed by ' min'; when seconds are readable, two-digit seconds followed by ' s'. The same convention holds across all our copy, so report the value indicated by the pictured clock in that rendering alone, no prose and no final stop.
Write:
12 h 11 min
